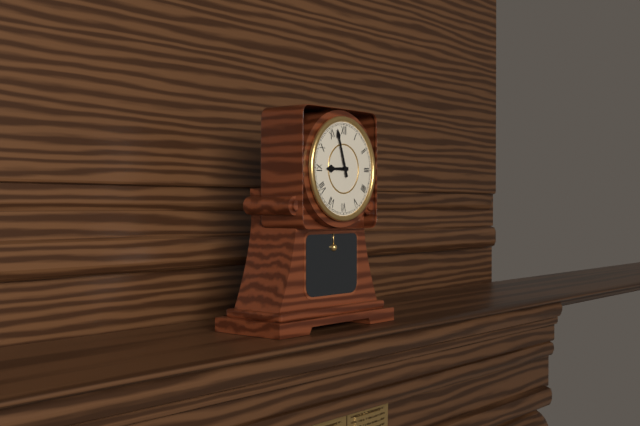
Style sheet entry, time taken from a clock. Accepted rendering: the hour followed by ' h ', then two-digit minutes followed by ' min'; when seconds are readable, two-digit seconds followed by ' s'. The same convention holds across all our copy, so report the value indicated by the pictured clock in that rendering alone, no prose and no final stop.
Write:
8 h 57 min
